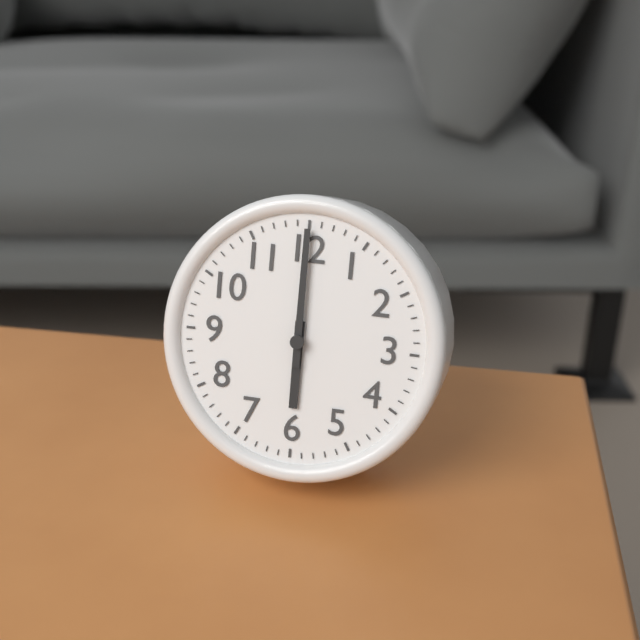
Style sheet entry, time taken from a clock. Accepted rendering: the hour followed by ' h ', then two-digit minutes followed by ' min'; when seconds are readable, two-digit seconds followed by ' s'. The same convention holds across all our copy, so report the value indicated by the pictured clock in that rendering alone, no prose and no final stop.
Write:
6 h 00 min
